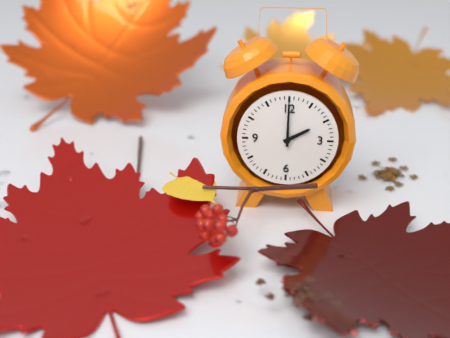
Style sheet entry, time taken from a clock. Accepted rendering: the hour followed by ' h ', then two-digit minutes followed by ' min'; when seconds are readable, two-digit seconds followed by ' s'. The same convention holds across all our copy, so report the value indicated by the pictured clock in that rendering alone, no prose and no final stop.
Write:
2 h 00 min
